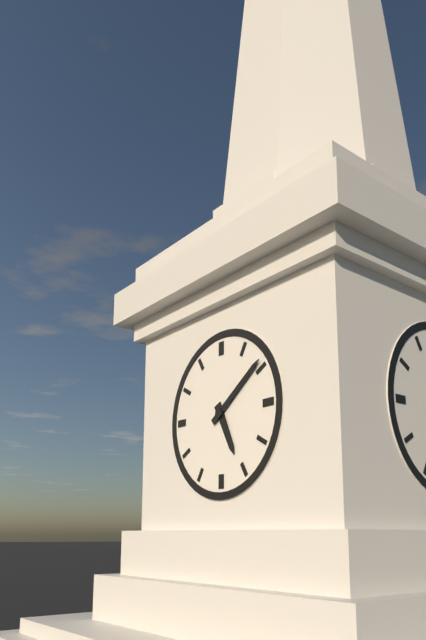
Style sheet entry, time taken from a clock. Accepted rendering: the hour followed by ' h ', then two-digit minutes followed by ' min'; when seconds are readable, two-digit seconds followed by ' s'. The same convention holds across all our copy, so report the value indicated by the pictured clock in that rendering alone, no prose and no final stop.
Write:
5 h 09 min
